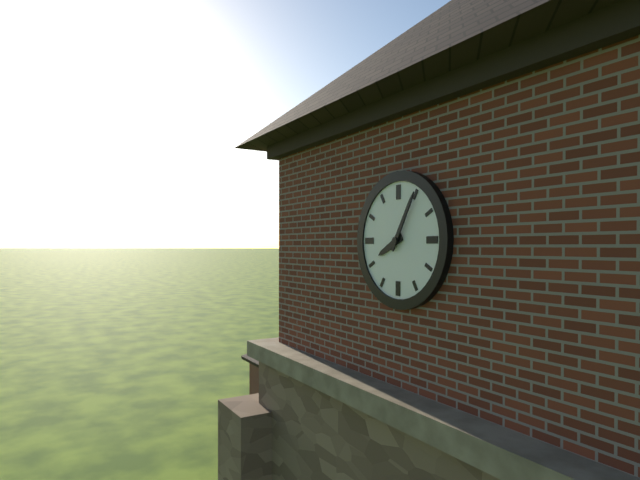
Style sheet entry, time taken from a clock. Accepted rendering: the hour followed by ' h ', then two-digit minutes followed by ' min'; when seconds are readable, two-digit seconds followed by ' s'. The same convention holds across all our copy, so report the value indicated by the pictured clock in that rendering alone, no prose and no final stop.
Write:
8 h 05 min
